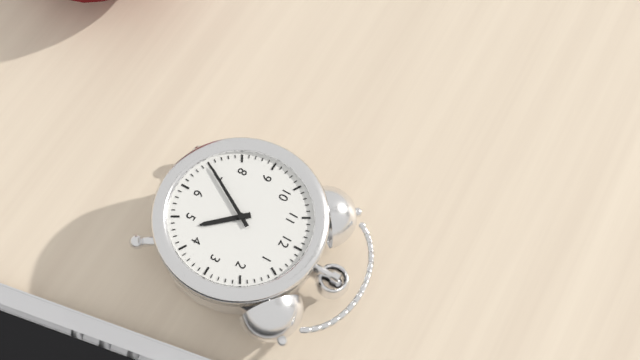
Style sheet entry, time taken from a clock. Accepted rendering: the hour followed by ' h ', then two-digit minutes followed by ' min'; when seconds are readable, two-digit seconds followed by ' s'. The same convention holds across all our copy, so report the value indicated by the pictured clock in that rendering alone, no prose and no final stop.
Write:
4 h 35 min
